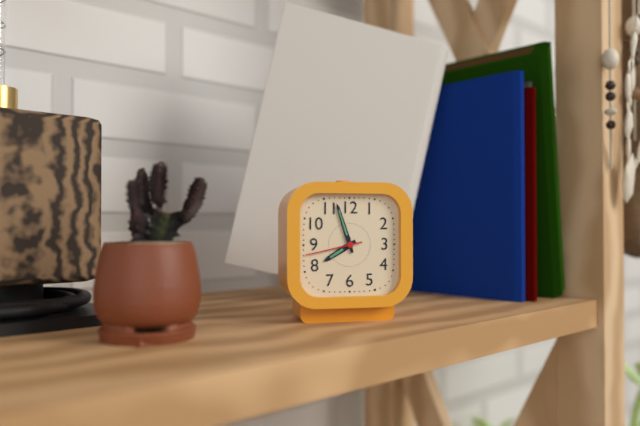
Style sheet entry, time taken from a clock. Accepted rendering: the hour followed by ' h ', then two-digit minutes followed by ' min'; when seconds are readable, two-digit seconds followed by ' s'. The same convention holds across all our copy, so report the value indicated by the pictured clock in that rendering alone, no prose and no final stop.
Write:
7 h 57 min
